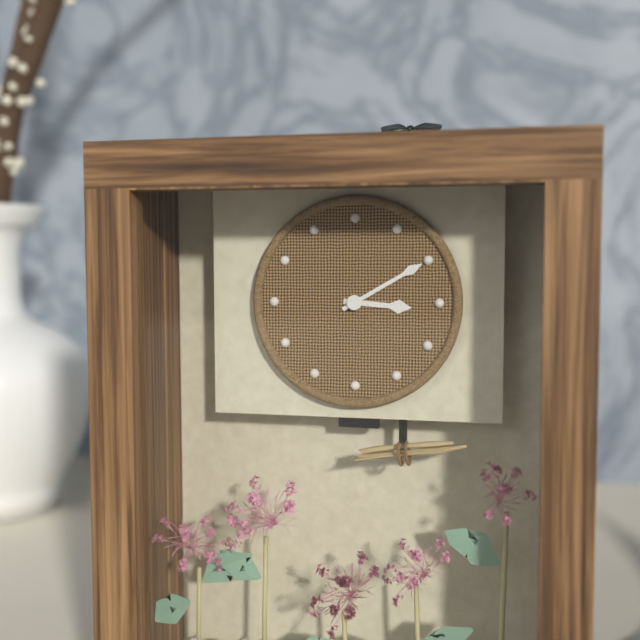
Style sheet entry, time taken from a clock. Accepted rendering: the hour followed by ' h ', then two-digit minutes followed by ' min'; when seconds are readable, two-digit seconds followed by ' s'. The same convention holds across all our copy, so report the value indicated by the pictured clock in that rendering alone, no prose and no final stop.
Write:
3 h 10 min
